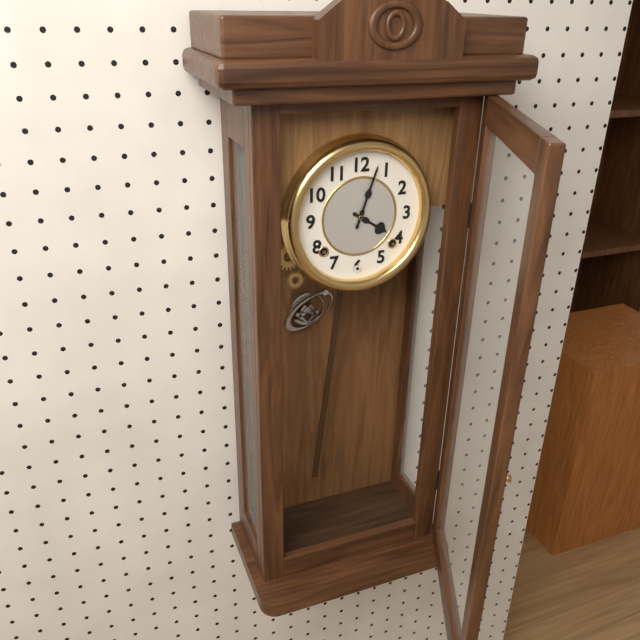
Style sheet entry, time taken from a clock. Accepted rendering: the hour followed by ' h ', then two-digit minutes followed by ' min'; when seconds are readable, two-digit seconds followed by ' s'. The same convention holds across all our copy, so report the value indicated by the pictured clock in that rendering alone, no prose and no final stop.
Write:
4 h 03 min
